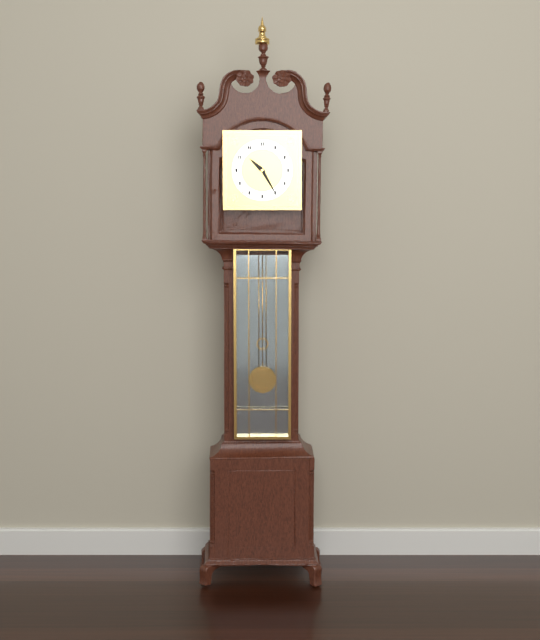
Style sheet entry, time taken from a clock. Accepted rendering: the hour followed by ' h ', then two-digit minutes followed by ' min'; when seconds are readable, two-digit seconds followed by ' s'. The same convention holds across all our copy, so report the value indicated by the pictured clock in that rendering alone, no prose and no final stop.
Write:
10 h 25 min
